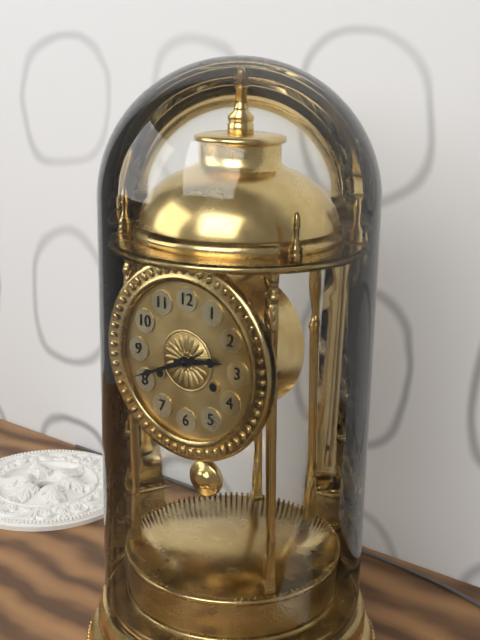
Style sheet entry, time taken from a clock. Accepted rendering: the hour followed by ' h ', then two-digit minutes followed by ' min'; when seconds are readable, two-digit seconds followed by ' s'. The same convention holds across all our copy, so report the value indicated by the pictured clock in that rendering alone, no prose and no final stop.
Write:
2 h 41 min
